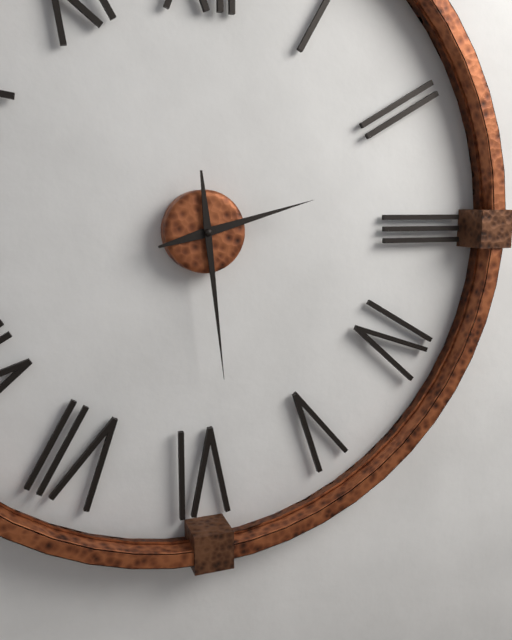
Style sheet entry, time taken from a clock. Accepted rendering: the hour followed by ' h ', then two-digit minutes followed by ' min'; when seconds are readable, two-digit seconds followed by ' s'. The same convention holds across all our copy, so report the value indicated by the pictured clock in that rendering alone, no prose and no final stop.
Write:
2 h 29 min
